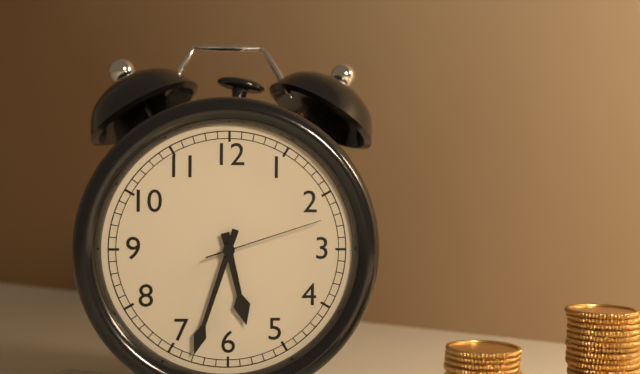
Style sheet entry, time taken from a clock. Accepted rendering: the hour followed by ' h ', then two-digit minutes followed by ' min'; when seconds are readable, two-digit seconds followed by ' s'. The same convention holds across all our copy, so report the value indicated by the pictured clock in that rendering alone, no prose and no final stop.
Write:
5 h 33 min 12 s
